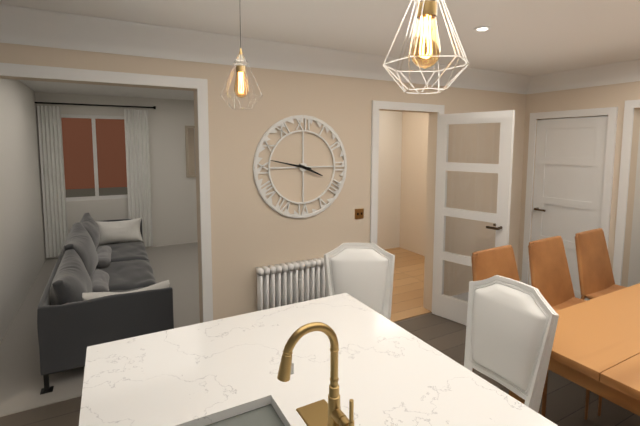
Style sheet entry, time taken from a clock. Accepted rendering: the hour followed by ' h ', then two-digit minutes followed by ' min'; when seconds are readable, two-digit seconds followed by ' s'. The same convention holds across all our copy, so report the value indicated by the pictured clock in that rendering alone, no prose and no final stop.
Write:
3 h 47 min
